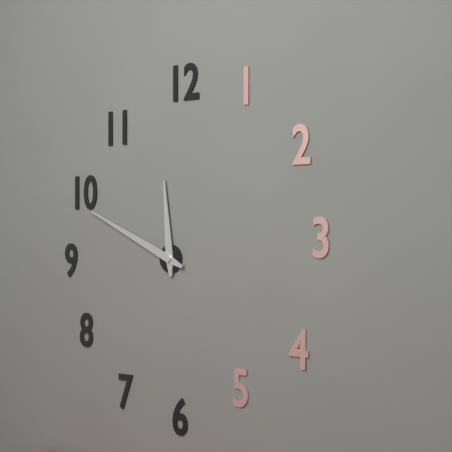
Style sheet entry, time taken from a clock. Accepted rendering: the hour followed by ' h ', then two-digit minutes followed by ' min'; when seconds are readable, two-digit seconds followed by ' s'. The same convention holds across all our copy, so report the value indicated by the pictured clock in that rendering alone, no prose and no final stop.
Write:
11 h 49 min
